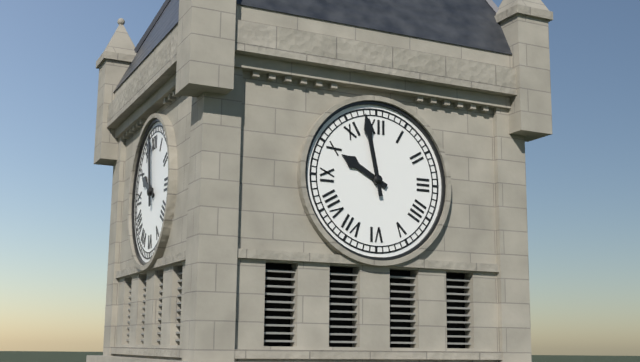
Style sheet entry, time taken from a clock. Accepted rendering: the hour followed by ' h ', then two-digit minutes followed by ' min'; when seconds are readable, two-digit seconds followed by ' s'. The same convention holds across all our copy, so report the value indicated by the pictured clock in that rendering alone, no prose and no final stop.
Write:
9 h 58 min
